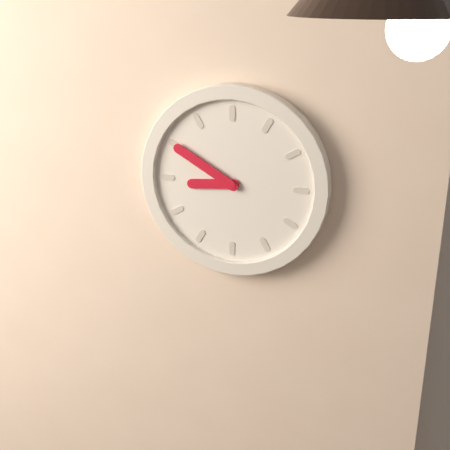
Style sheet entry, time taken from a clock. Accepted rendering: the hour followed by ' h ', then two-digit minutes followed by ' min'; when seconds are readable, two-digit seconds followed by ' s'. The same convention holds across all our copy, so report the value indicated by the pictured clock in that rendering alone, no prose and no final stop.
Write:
8 h 50 min
